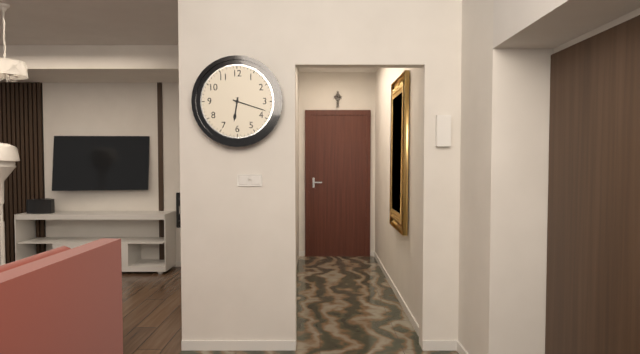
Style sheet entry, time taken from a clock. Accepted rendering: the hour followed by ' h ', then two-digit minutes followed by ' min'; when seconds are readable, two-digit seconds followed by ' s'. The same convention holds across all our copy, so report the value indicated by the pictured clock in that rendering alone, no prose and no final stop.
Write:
6 h 18 min
